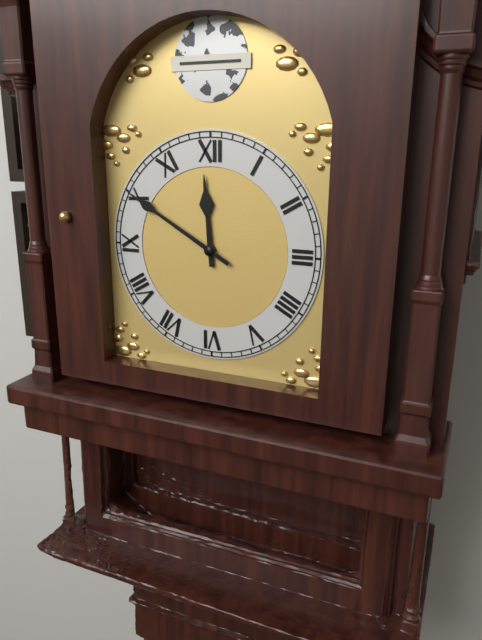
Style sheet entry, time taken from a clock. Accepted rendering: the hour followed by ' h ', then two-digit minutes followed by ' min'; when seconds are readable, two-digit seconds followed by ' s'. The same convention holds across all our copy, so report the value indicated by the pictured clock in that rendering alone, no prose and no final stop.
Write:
11 h 50 min
